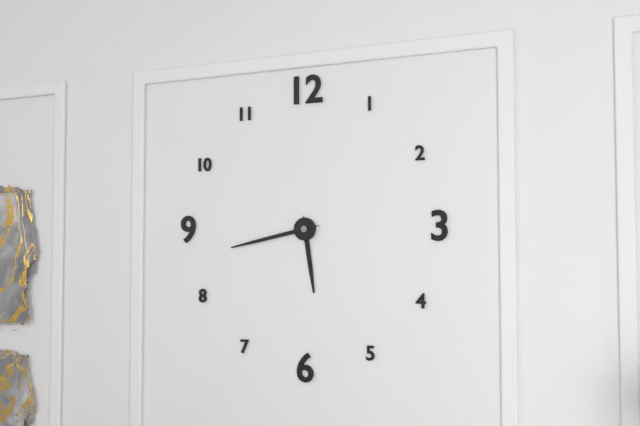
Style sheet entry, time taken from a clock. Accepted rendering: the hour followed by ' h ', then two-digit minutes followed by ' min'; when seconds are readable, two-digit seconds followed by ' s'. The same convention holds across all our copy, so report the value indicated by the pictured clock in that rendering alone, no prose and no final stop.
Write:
5 h 43 min
